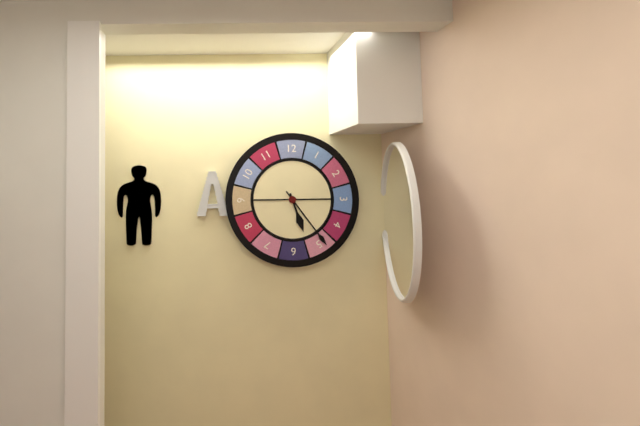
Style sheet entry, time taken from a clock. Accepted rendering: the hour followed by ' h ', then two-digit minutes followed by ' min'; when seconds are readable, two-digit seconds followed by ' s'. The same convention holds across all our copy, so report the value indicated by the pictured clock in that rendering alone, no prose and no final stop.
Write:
5 h 24 min
